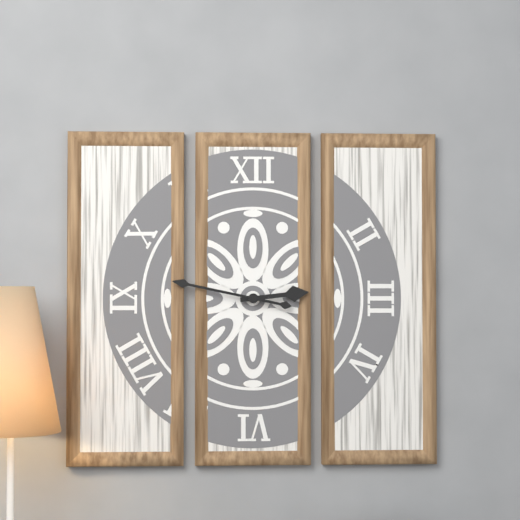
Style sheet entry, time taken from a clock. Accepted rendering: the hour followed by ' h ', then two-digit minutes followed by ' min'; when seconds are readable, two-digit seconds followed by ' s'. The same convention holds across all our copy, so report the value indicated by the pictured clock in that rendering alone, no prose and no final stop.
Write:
2 h 47 min
